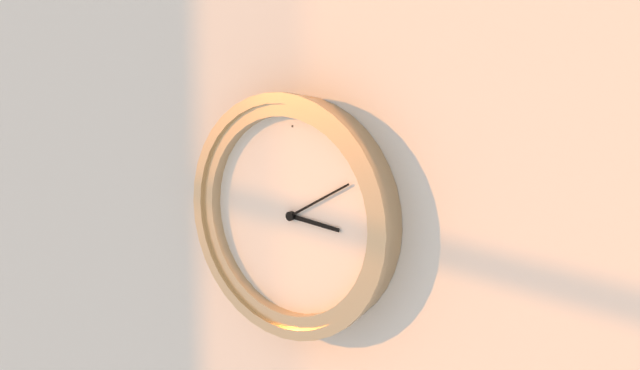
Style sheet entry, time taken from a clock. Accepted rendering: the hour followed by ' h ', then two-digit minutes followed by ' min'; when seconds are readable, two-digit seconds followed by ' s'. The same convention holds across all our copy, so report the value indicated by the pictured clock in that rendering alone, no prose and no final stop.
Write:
3 h 10 min
